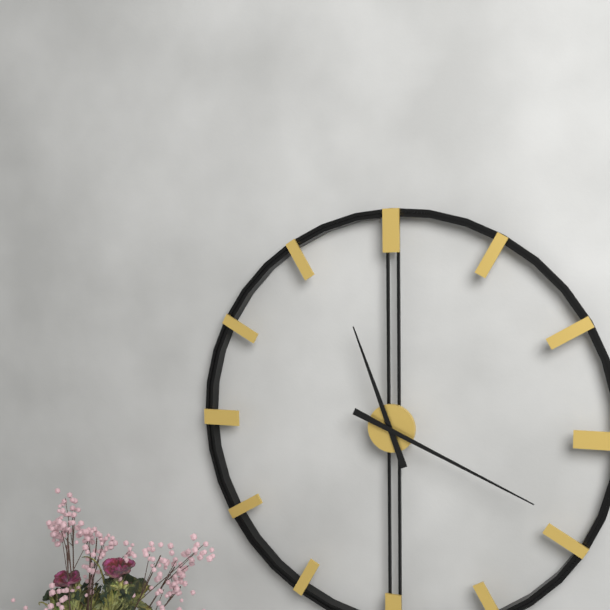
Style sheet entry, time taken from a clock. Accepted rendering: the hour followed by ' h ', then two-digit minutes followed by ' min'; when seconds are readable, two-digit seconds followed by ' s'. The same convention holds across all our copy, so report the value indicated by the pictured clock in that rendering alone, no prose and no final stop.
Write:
11 h 19 min
